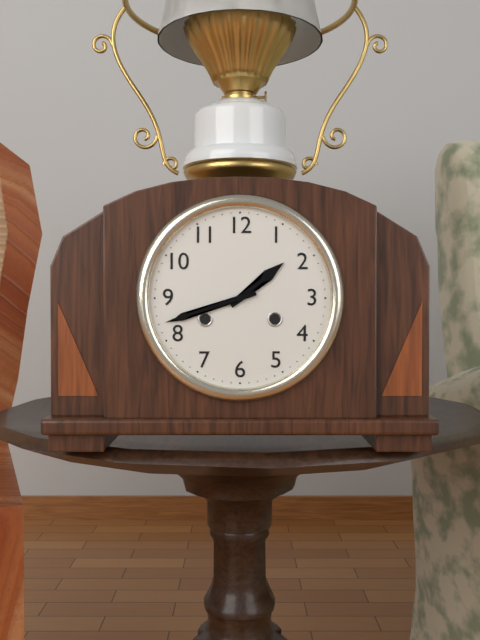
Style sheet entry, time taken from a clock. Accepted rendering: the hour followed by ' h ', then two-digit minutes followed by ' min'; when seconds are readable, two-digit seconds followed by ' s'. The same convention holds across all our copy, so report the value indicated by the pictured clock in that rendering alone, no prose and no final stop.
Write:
1 h 42 min
